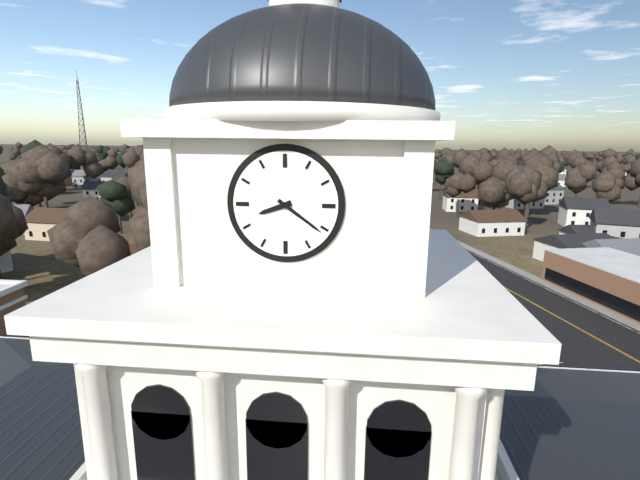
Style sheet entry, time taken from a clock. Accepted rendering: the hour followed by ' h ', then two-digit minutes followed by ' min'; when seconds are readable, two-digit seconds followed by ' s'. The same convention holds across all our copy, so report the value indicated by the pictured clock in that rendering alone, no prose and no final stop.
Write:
8 h 21 min
